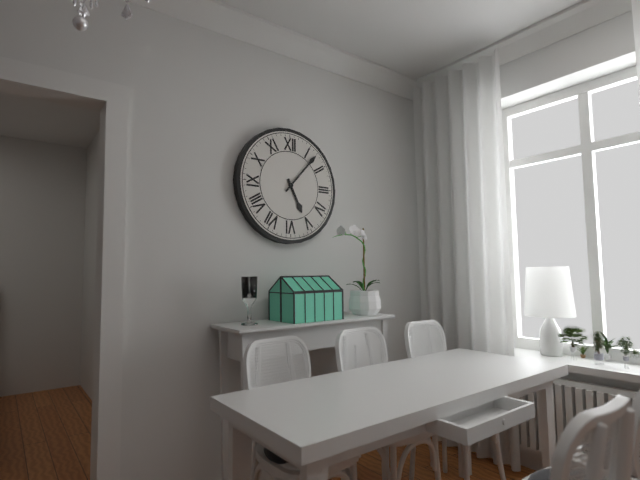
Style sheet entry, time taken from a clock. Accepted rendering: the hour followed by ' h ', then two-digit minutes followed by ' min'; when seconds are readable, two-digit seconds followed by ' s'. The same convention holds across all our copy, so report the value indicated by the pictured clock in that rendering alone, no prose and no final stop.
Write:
5 h 07 min
